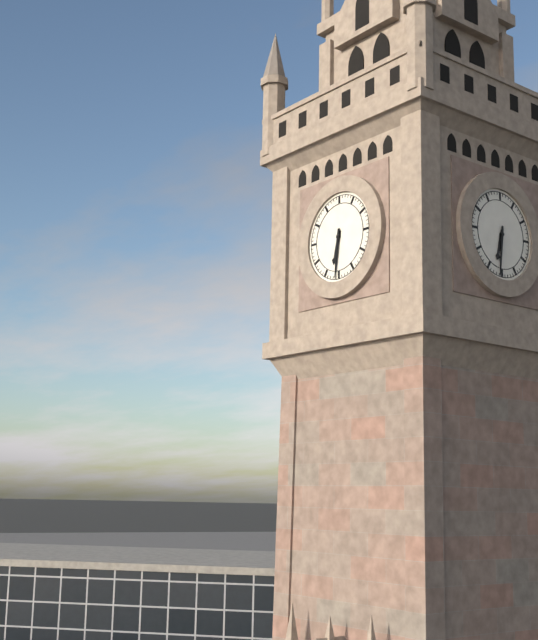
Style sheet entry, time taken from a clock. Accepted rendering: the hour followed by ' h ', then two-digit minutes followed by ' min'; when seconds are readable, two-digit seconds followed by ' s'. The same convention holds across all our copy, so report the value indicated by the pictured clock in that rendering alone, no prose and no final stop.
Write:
6 h 31 min
